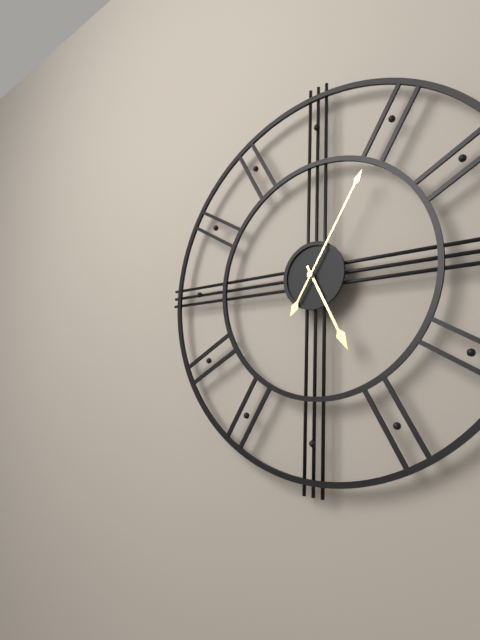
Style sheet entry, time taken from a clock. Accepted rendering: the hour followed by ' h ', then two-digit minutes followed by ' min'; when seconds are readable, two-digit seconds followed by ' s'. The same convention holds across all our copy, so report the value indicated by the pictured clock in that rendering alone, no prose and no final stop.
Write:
5 h 05 min
